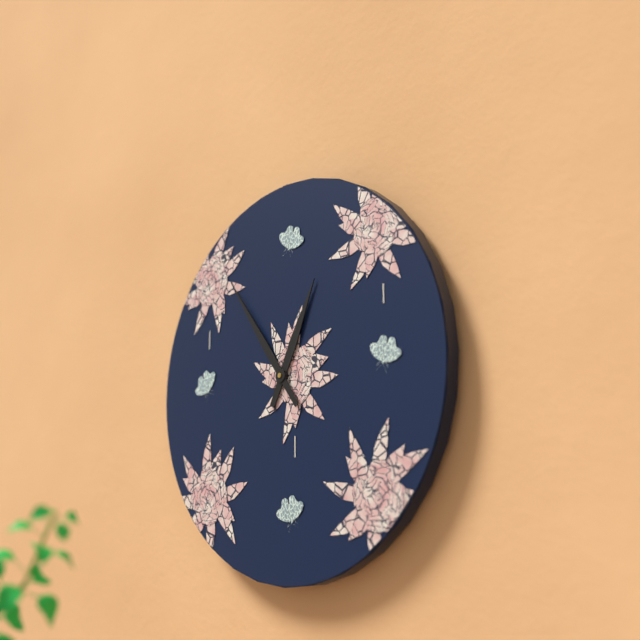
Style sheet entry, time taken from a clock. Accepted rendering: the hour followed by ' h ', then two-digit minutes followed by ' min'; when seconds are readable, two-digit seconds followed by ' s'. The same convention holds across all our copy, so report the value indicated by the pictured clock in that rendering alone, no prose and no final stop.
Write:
12 h 54 min
